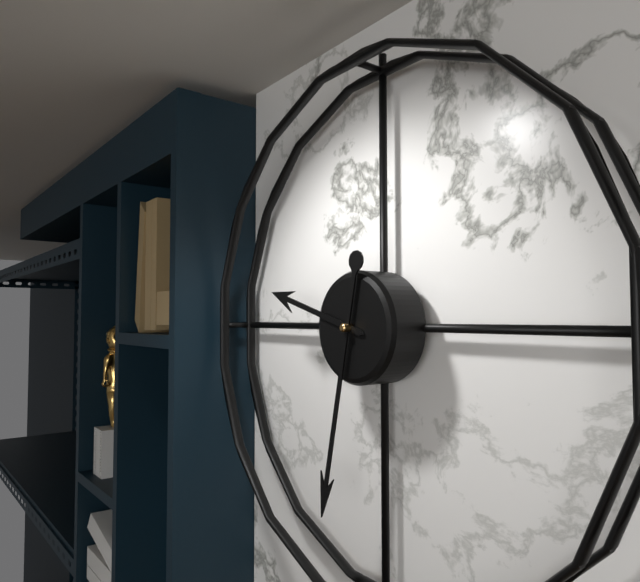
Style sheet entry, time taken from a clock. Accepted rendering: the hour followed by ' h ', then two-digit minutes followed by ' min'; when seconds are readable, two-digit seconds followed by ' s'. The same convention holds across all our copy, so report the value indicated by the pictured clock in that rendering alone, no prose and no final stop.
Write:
9 h 32 min
